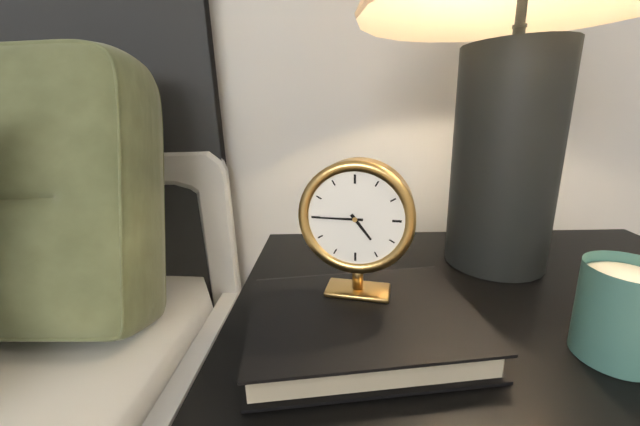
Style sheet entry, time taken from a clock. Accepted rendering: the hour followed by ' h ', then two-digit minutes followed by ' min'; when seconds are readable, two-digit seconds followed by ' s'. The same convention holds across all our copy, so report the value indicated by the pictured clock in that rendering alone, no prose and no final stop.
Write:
4 h 45 min
